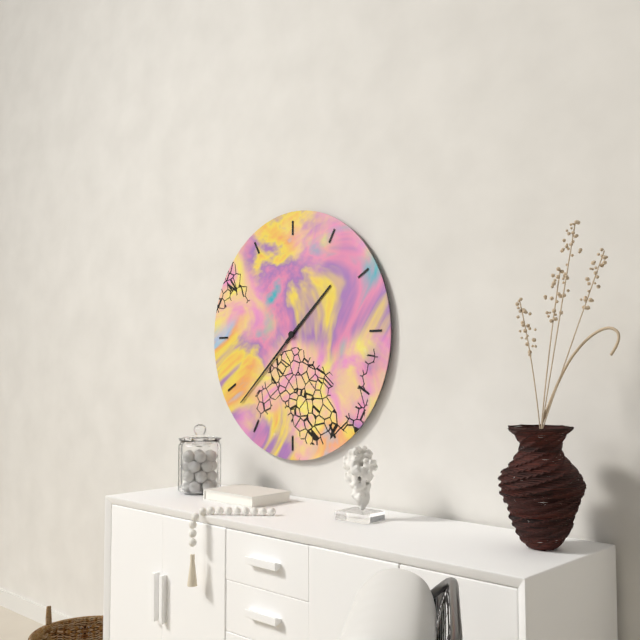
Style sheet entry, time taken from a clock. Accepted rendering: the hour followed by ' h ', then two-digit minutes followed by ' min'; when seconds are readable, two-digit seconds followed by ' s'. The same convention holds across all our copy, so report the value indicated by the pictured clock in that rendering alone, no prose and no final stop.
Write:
1 h 38 min
